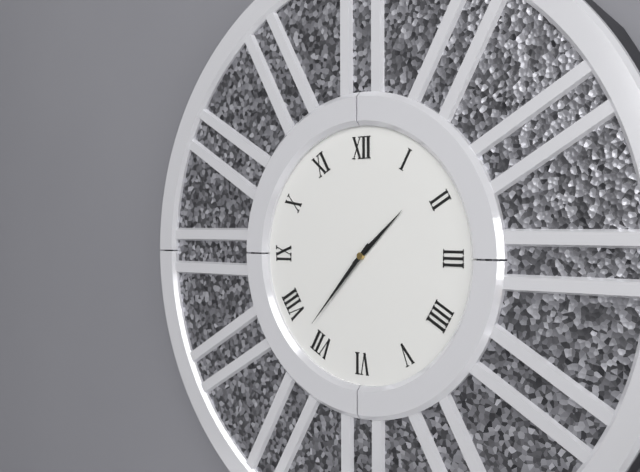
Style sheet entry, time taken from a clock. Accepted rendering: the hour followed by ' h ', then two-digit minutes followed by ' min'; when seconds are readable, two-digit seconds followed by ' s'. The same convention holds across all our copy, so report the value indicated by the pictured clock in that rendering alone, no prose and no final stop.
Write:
1 h 37 min
